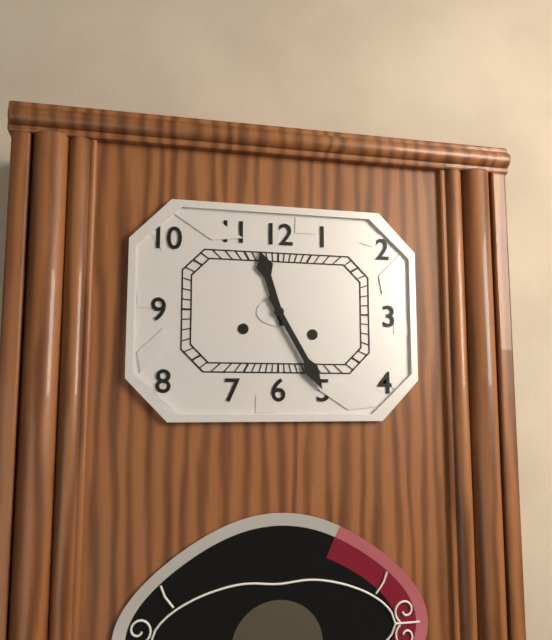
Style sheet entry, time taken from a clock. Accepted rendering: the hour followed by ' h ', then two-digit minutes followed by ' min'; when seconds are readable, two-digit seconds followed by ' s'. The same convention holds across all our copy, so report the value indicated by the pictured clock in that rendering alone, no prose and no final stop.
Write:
11 h 25 min
